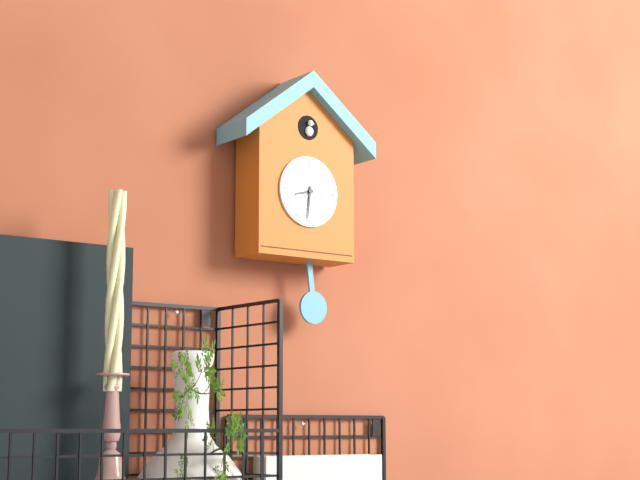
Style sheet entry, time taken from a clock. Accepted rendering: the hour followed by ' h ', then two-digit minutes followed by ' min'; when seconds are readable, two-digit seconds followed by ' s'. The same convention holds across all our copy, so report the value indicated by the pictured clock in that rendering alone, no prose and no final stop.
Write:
8 h 31 min
